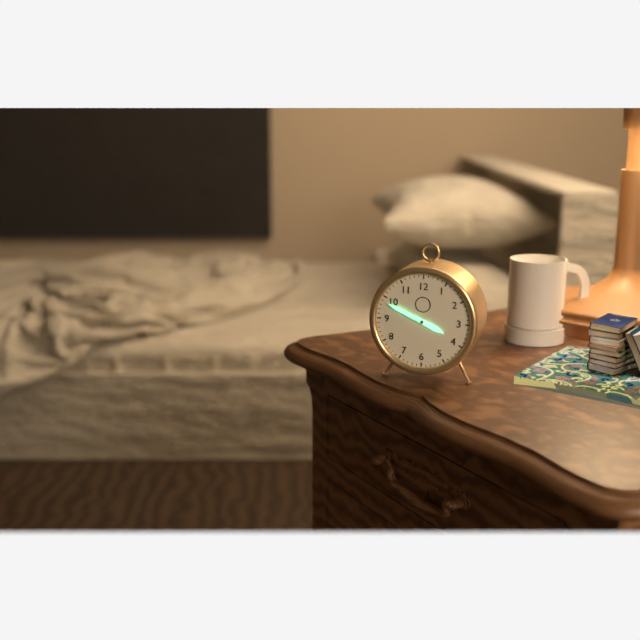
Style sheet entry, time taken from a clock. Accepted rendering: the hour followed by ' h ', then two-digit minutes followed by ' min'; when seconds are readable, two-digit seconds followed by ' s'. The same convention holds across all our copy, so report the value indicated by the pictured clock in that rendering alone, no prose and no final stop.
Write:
3 h 49 min
